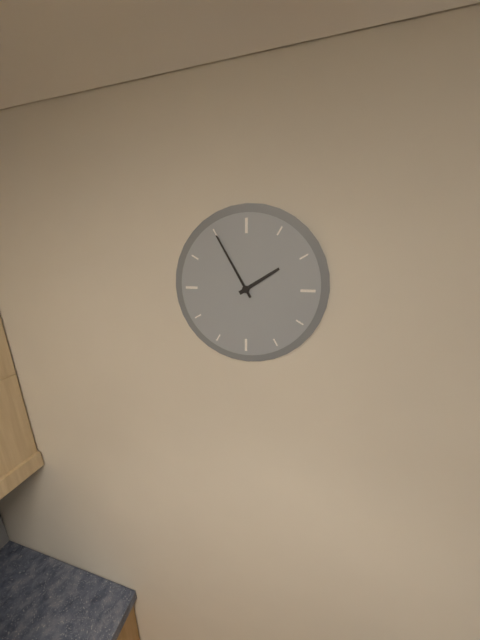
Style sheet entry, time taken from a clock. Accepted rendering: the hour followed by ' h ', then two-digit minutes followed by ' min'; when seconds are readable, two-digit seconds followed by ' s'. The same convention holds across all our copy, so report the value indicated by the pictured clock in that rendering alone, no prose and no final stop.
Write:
1 h 55 min
